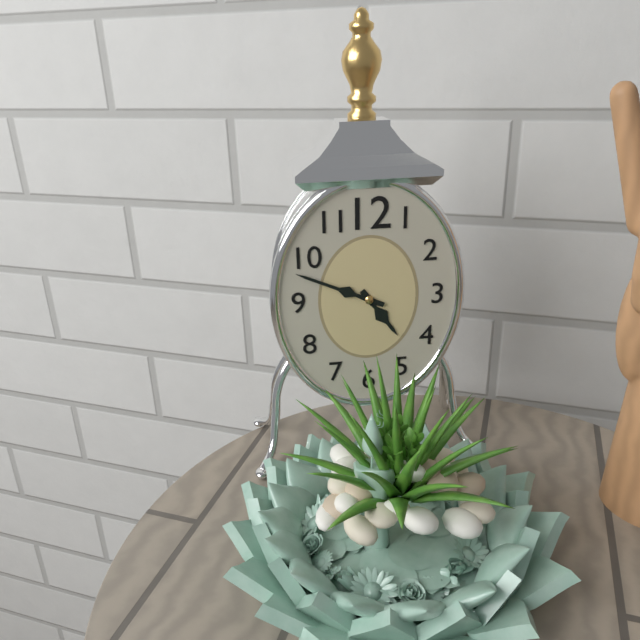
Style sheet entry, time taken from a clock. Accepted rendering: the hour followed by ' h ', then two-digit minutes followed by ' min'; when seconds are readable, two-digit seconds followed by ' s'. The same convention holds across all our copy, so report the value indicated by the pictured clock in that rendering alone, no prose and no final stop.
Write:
4 h 49 min
